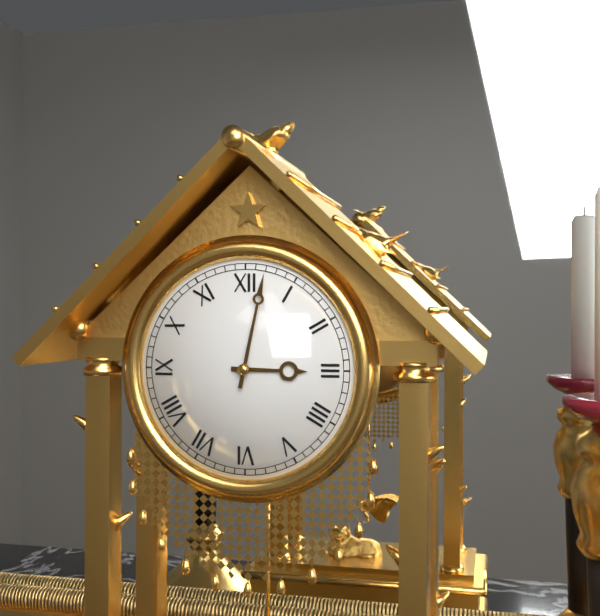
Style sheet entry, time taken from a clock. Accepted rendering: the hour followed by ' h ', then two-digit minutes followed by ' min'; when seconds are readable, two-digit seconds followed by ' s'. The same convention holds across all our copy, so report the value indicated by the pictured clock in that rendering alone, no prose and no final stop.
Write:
3 h 02 min
